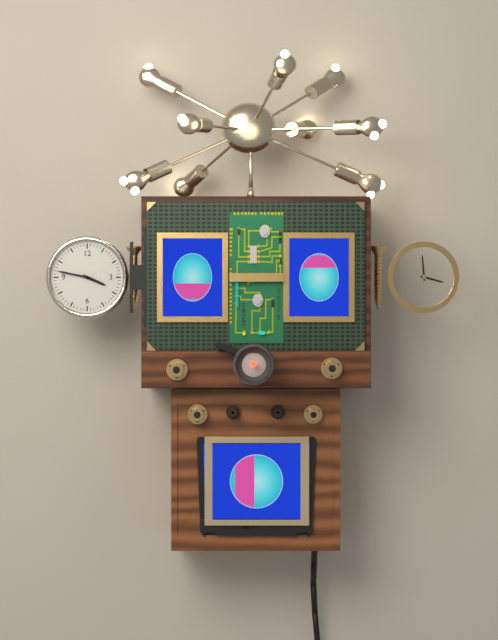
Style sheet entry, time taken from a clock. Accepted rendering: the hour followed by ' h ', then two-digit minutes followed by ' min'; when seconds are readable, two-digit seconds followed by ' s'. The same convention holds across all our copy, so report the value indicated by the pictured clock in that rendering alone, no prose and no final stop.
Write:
3 h 47 min
